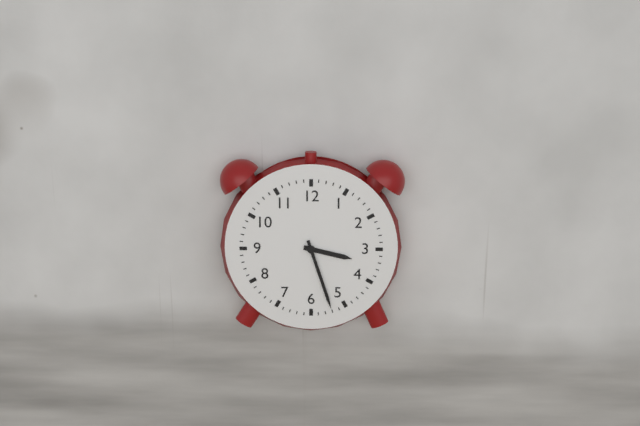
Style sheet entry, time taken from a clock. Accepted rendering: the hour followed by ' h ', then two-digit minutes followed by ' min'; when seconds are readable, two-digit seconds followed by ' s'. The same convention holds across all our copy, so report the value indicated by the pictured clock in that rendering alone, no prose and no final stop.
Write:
3 h 27 min
